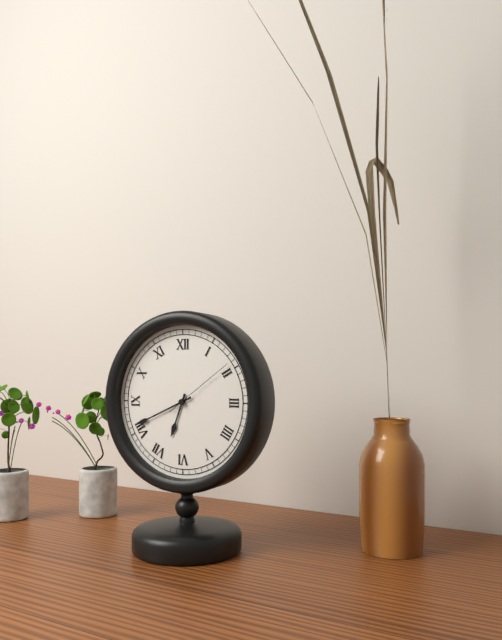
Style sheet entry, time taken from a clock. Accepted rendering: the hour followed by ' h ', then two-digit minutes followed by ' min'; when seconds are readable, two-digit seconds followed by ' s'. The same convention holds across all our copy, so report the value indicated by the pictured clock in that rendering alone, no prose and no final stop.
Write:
6 h 41 min 09 s
